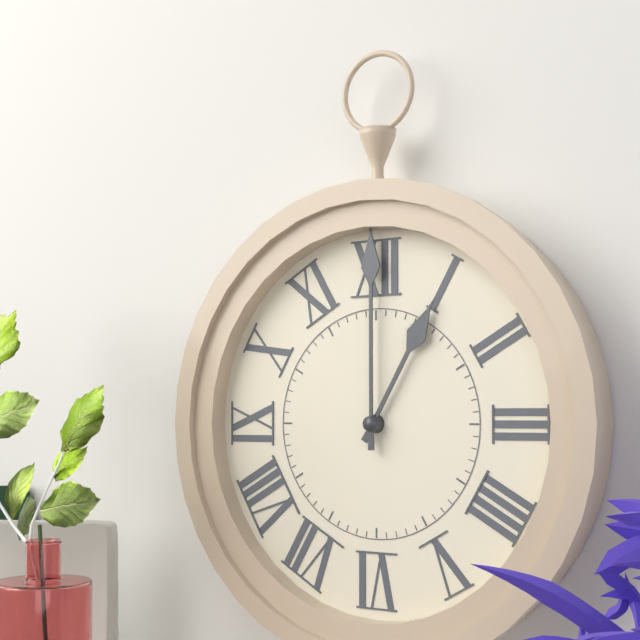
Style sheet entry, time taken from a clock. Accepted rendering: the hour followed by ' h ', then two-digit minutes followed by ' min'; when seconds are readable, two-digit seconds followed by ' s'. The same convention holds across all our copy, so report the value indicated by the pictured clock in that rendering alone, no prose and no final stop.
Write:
1 h 00 min
